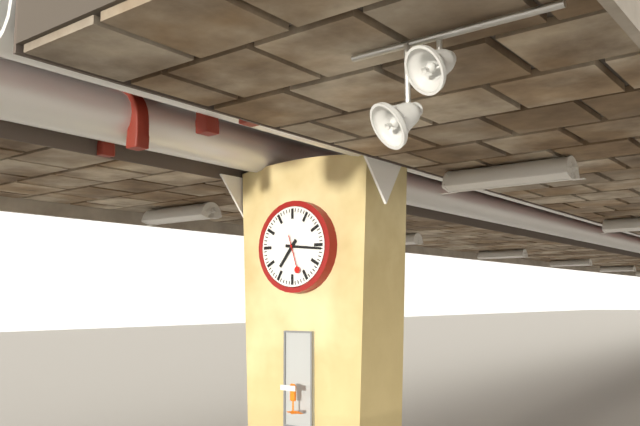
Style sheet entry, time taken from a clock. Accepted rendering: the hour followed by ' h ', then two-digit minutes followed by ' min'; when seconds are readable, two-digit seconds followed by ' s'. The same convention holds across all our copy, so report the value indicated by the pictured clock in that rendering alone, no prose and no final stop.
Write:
7 h 16 min
